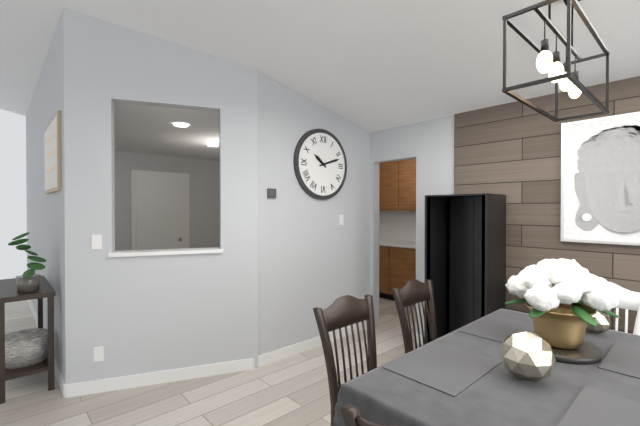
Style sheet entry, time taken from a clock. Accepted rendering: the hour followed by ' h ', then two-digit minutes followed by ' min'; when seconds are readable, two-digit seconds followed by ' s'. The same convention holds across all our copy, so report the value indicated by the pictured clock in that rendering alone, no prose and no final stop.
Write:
10 h 12 min
